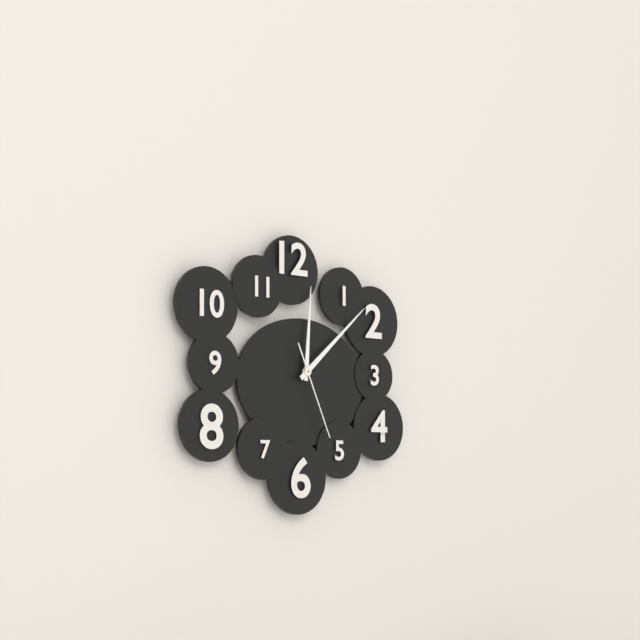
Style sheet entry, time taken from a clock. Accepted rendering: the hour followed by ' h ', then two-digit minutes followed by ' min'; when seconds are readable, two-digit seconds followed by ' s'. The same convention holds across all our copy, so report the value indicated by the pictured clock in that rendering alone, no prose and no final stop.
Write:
12 h 08 min 26 s
